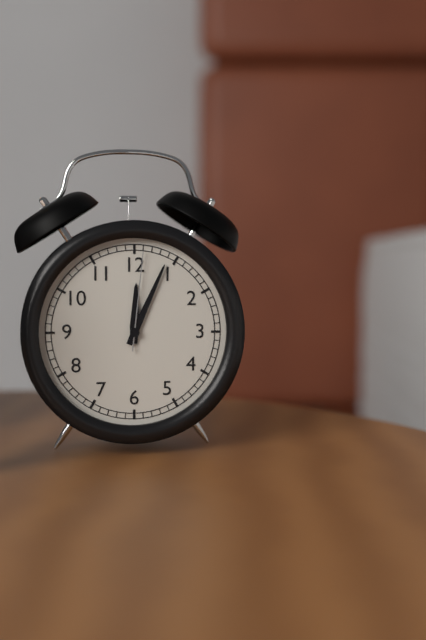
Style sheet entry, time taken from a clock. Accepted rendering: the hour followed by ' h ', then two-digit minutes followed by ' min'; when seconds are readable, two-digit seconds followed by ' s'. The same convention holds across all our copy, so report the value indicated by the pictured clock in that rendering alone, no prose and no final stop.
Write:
12 h 04 min 01 s
